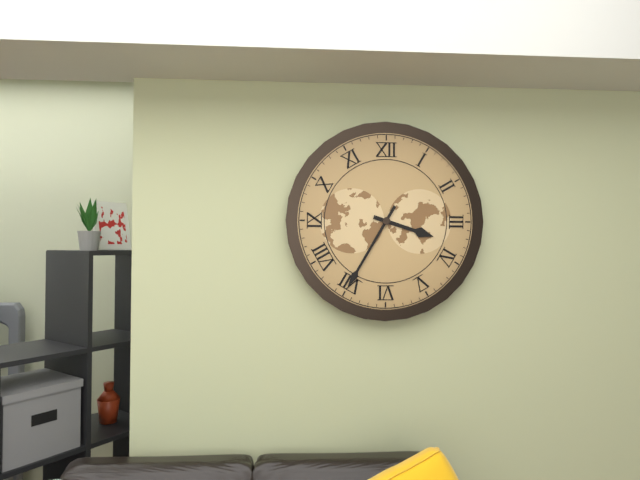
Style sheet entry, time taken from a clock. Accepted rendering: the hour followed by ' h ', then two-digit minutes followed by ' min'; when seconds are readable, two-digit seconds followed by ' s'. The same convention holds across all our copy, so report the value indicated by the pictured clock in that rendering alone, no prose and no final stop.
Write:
3 h 35 min
